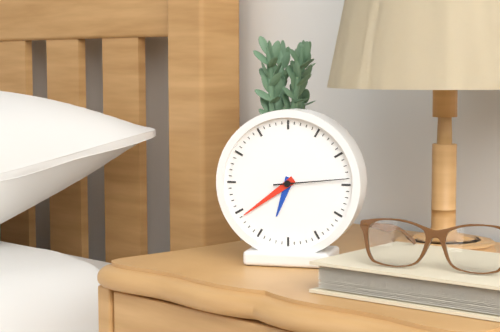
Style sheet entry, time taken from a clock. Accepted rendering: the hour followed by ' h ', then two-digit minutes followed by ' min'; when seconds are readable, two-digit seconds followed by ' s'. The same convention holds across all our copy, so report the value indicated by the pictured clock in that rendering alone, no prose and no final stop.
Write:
6 h 39 min 14 s
